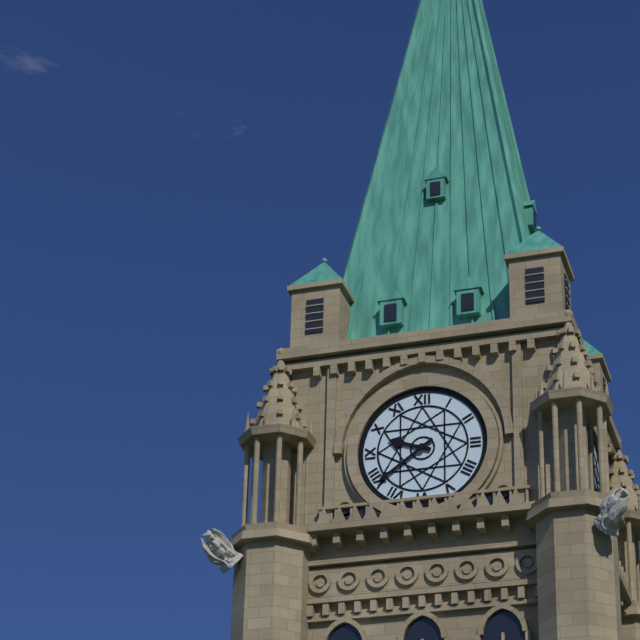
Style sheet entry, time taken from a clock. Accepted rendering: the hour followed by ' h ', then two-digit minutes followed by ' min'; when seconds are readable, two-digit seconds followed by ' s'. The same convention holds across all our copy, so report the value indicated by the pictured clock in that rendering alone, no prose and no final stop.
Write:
9 h 39 min
